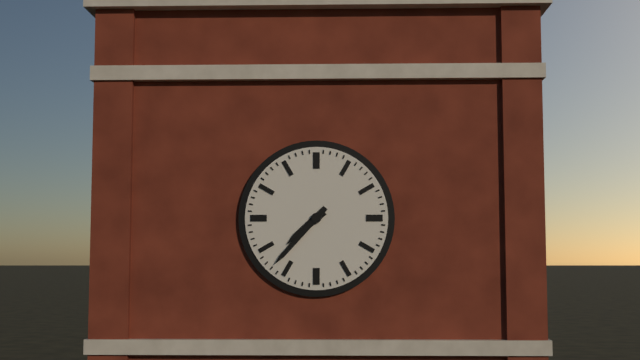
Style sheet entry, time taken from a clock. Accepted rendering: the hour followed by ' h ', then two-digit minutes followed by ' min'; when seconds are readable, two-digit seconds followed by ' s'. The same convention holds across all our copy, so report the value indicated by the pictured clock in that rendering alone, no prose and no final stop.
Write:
7 h 37 min
